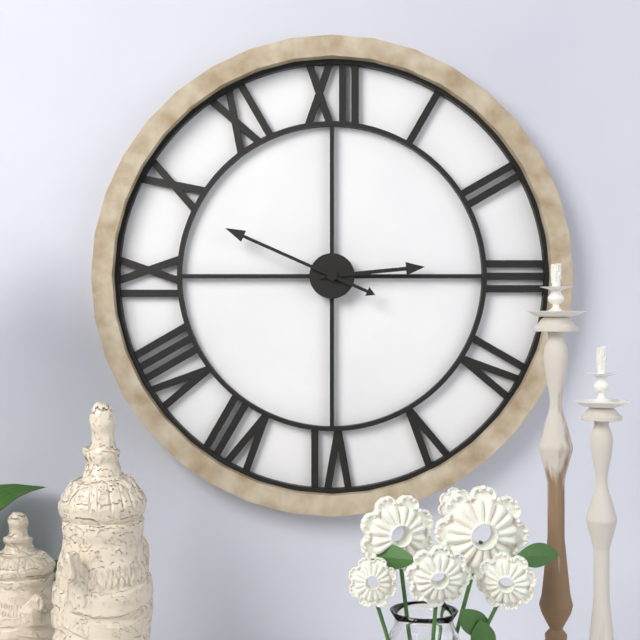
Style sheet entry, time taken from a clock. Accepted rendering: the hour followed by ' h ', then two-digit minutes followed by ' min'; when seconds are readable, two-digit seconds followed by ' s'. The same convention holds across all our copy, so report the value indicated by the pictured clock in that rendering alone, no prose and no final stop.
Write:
2 h 49 min
